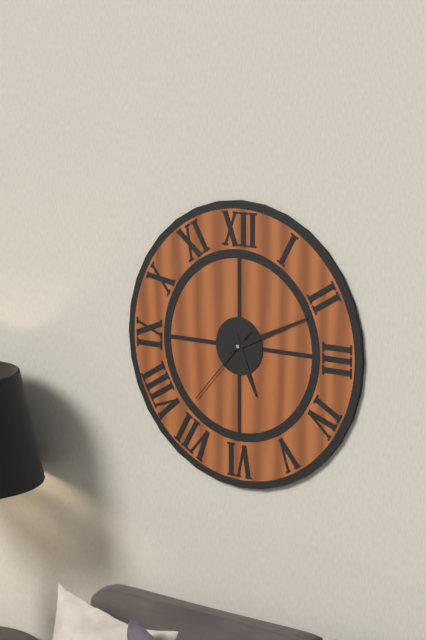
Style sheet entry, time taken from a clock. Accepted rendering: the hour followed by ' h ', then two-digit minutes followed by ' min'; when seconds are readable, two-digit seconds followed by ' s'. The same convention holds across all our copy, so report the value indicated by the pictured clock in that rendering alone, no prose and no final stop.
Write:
5 h 11 min 37 s
